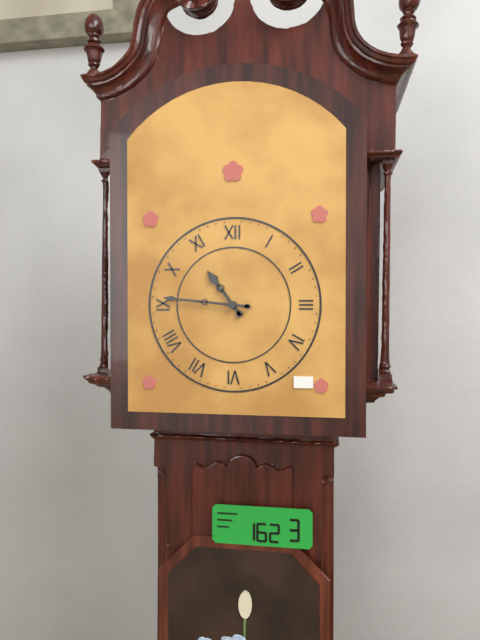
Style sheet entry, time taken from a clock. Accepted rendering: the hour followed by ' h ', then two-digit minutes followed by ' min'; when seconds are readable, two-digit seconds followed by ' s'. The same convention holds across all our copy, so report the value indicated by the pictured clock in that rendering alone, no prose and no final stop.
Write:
10 h 46 min
